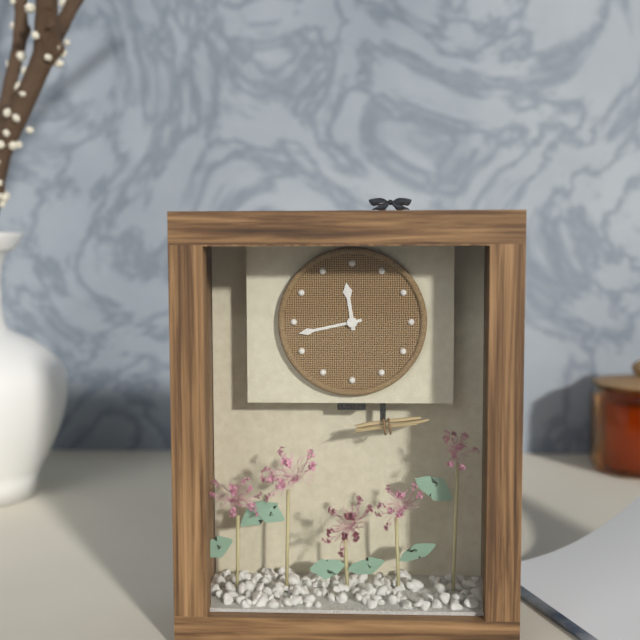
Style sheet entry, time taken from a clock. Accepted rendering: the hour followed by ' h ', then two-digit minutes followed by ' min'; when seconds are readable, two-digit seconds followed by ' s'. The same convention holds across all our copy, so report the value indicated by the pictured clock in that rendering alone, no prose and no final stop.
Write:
11 h 43 min
